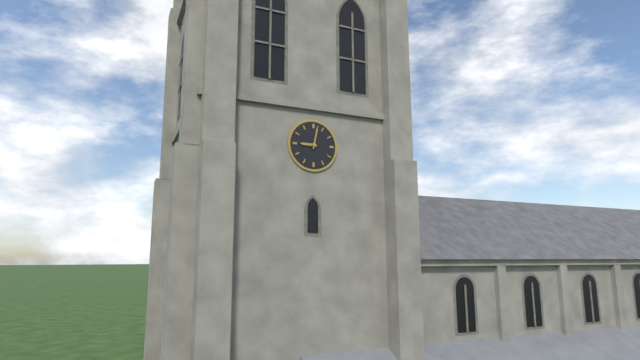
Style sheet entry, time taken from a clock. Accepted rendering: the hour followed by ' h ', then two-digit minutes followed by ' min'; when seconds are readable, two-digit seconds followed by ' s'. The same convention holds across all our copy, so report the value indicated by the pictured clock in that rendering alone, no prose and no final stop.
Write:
9 h 02 min
